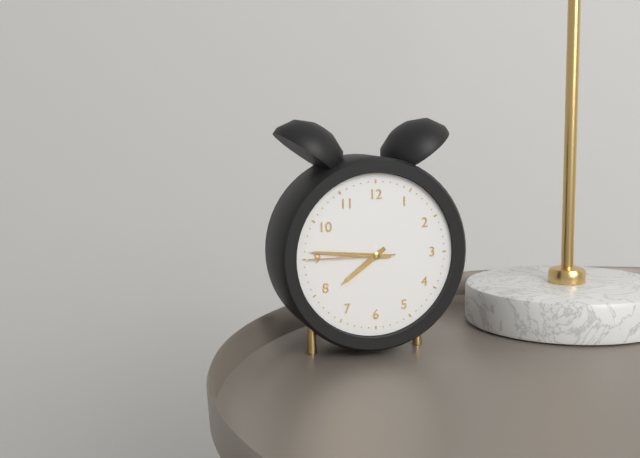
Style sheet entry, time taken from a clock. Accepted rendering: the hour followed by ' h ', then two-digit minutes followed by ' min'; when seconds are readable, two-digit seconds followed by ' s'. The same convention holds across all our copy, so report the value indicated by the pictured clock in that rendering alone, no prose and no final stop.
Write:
7 h 46 min 45 s
